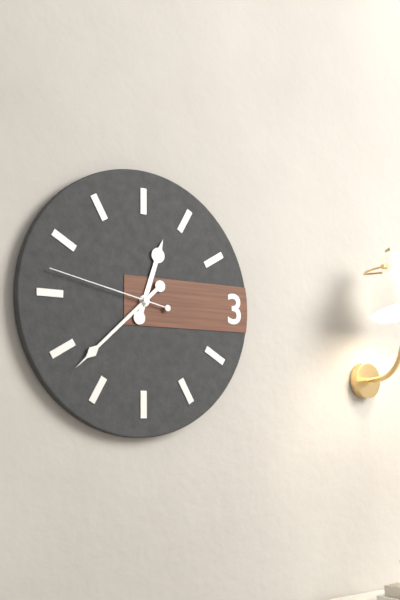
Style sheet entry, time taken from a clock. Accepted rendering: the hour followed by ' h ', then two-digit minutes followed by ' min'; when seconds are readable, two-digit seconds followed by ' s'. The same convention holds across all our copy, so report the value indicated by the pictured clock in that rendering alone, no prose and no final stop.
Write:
12 h 38 min 47 s
